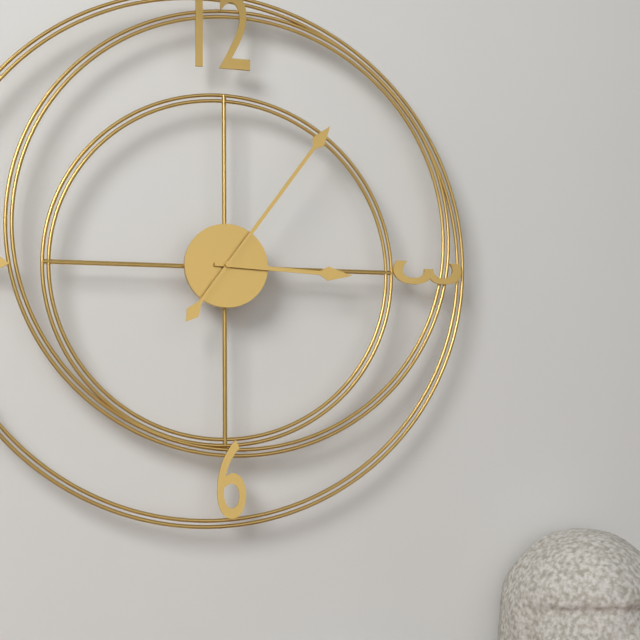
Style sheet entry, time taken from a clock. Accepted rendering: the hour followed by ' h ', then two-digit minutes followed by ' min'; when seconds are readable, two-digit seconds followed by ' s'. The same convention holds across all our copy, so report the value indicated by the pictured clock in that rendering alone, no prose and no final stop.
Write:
3 h 06 min
